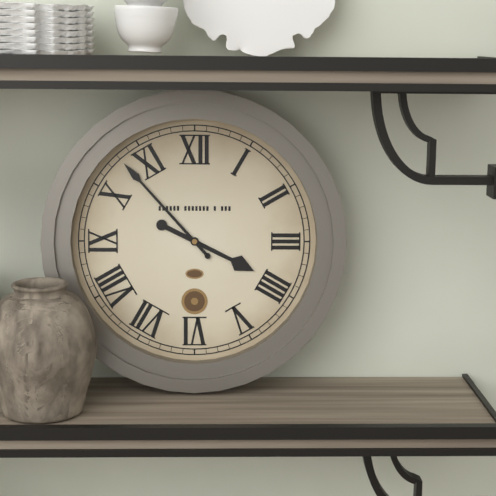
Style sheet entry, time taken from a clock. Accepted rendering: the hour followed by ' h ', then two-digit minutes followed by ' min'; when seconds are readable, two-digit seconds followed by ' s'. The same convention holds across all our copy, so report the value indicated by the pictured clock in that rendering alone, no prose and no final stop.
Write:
3 h 53 min
